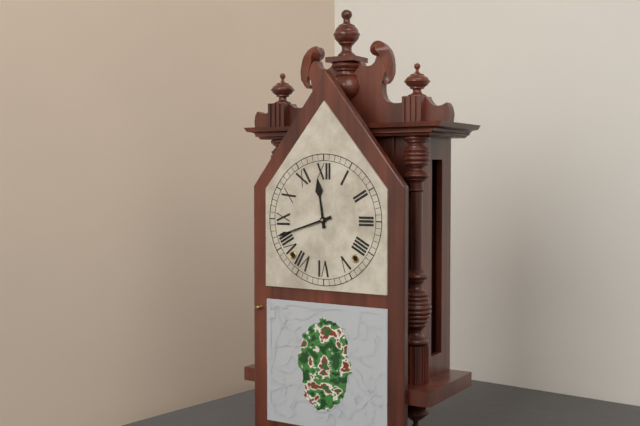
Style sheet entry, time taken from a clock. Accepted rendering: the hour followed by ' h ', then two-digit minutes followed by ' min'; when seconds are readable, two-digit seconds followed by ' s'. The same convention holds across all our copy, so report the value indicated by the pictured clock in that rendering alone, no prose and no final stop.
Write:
11 h 42 min
